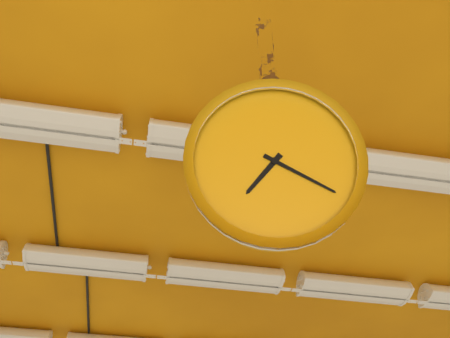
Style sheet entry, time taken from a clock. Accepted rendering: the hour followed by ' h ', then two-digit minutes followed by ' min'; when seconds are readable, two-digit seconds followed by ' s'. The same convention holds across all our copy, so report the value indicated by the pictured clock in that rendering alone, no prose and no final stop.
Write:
7 h 20 min
